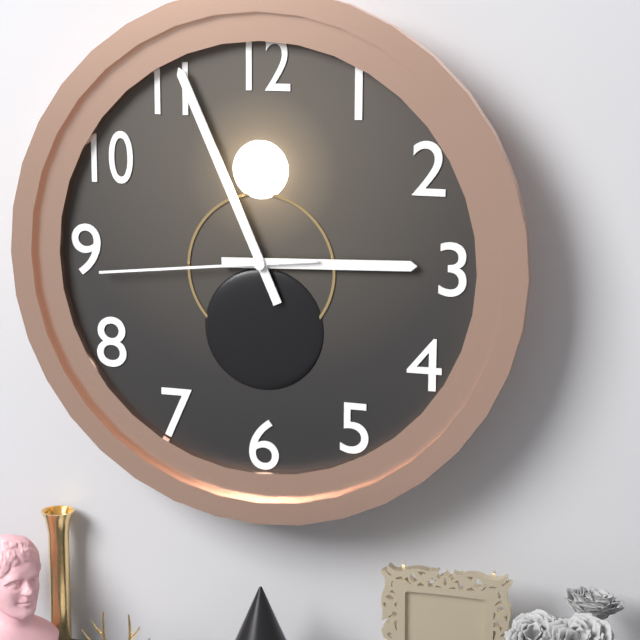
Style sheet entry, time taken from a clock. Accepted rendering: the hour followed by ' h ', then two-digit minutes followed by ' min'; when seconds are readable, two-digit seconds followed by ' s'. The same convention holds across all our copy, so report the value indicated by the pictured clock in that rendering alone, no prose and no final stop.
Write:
2 h 56 min 44 s
